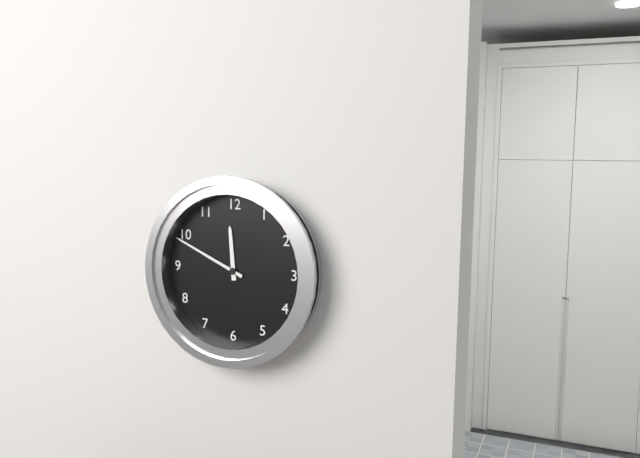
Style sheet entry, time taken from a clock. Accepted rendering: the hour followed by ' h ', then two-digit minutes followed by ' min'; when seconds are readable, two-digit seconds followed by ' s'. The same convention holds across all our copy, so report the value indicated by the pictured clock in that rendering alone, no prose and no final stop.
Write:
11 h 49 min
